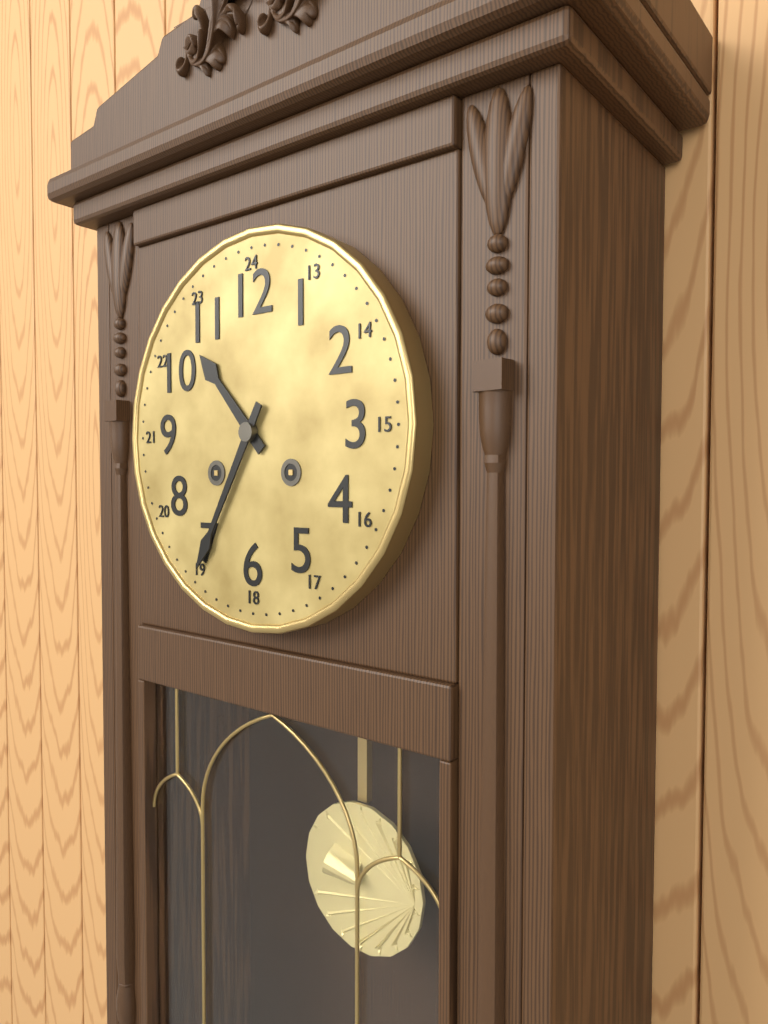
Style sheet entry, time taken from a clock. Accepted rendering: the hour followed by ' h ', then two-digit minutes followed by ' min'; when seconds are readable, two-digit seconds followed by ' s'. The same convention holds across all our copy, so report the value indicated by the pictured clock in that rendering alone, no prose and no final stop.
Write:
10 h 35 min
